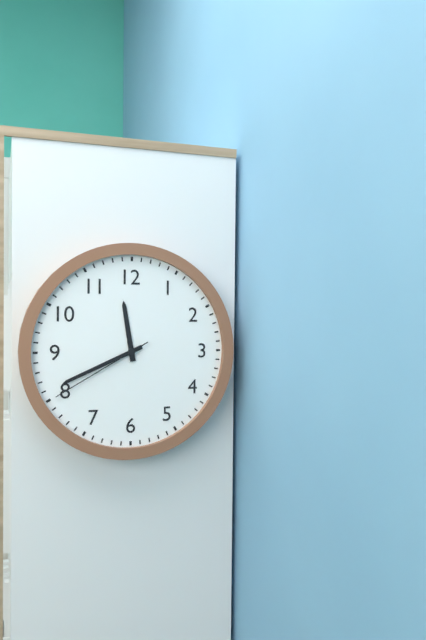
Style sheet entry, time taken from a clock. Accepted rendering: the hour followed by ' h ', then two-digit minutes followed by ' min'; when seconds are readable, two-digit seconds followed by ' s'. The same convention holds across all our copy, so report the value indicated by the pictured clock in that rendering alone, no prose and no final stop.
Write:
11 h 41 min 40 s
